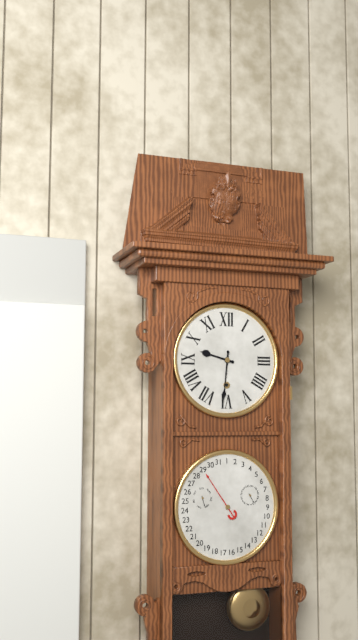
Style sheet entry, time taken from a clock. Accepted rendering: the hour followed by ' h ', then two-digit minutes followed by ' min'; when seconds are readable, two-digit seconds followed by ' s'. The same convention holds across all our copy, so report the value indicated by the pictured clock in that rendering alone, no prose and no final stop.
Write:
9 h 31 min
